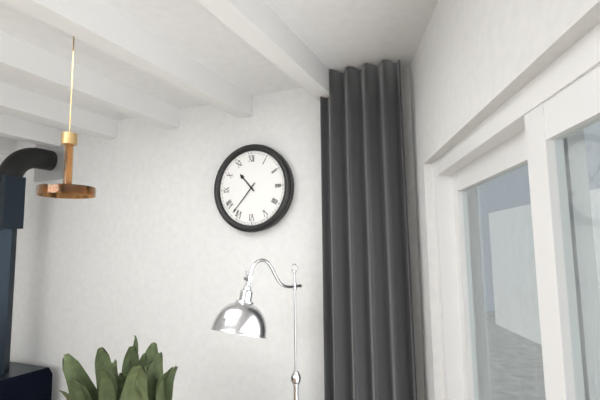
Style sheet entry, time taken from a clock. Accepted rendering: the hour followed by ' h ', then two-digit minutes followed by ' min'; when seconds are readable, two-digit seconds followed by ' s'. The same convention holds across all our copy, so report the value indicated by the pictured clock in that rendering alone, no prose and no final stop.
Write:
10 h 37 min
